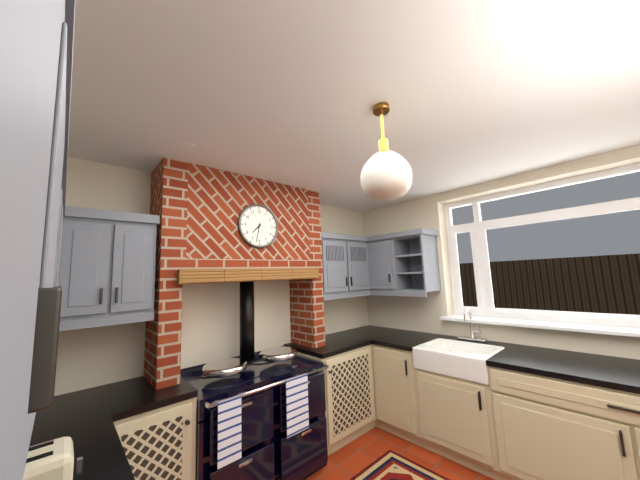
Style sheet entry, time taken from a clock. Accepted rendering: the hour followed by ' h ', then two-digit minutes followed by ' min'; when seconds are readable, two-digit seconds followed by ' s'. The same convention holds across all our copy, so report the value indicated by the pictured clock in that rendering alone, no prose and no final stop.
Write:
7 h 32 min
